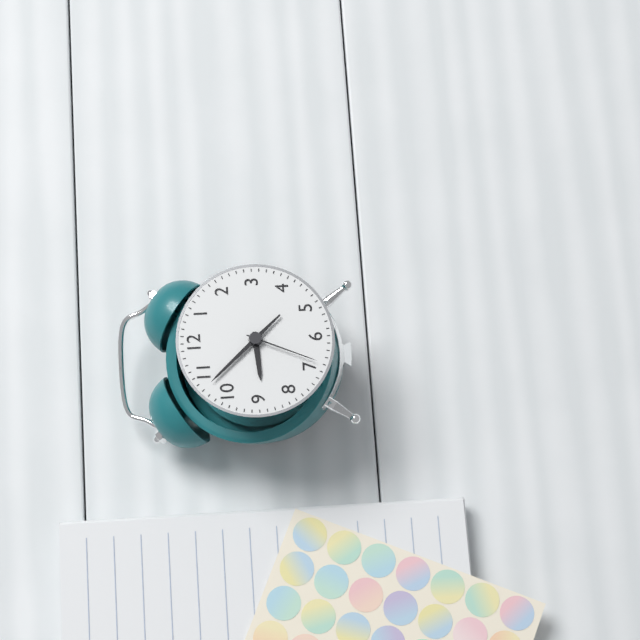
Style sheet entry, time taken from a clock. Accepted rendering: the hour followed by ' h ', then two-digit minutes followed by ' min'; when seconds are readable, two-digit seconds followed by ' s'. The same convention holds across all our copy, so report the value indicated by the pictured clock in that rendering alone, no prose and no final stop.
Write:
8 h 53 min 34 s
